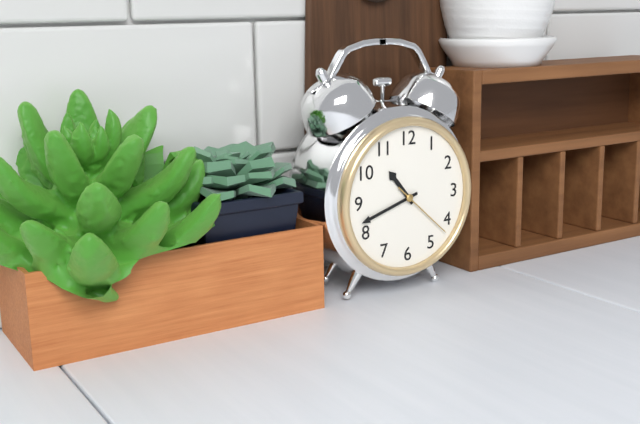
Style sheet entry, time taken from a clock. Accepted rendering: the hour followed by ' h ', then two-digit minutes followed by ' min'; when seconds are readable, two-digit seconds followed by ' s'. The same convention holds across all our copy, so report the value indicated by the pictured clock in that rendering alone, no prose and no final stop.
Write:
10 h 42 min 22 s
